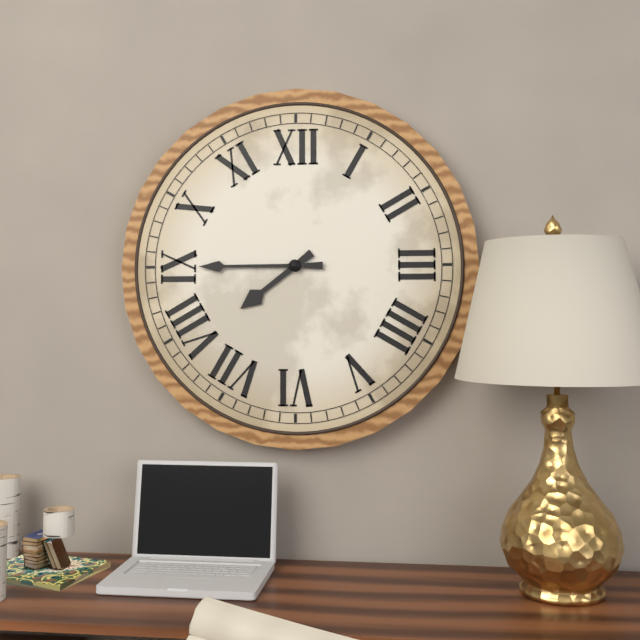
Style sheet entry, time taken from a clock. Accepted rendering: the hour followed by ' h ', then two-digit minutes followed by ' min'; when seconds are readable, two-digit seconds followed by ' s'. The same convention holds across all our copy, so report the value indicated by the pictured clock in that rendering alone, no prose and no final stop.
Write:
7 h 45 min
